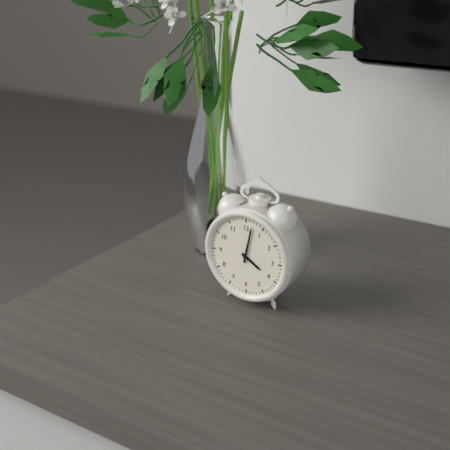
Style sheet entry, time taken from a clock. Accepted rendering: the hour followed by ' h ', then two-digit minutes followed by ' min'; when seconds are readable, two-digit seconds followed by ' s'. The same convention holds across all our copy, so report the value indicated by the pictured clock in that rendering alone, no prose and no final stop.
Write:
4 h 02 min
